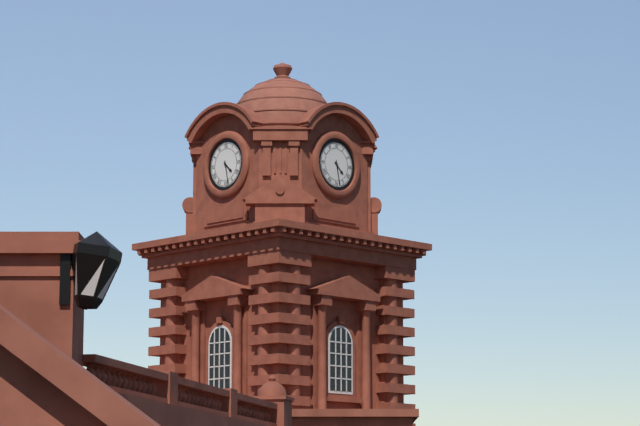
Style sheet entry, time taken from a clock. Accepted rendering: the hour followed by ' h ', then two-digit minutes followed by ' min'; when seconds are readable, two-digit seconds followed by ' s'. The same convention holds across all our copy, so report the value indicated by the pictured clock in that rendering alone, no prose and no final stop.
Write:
4 h 28 min
